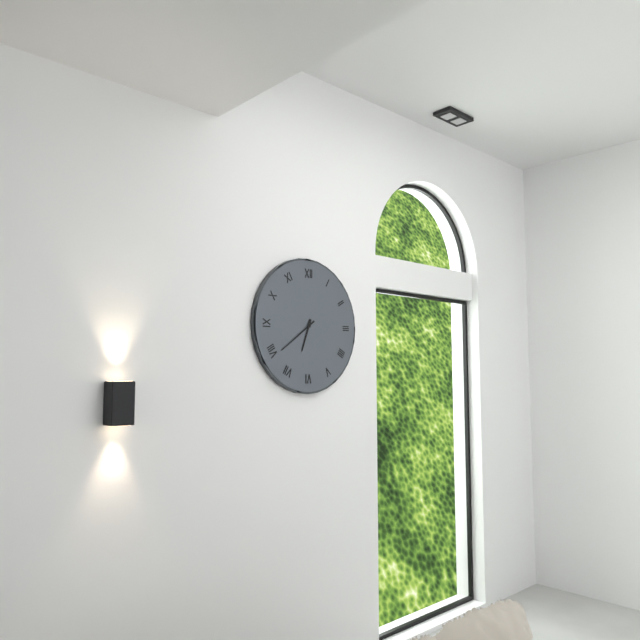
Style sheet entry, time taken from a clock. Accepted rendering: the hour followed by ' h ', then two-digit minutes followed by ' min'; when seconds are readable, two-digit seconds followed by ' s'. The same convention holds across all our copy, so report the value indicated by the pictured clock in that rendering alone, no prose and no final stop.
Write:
6 h 39 min
